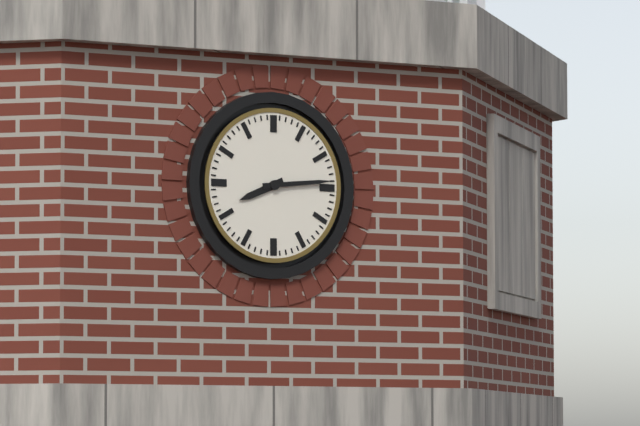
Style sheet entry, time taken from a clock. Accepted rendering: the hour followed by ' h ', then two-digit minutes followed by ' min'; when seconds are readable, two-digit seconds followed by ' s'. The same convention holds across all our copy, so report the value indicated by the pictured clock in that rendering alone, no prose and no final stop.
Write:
8 h 14 min
